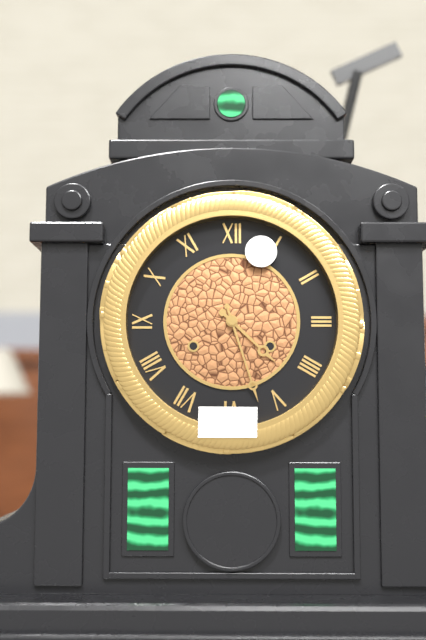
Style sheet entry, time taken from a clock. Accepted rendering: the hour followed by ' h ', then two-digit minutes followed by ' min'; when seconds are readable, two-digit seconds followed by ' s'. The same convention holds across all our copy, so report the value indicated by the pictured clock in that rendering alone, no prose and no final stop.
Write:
4 h 27 min
